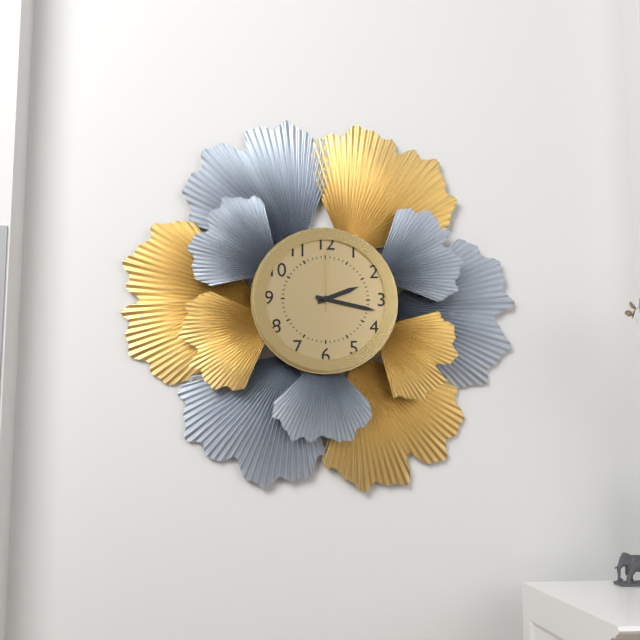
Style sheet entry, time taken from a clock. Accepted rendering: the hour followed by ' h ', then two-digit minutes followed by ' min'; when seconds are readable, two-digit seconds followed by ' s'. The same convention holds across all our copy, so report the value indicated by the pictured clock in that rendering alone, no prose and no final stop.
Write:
2 h 17 min 00 s
